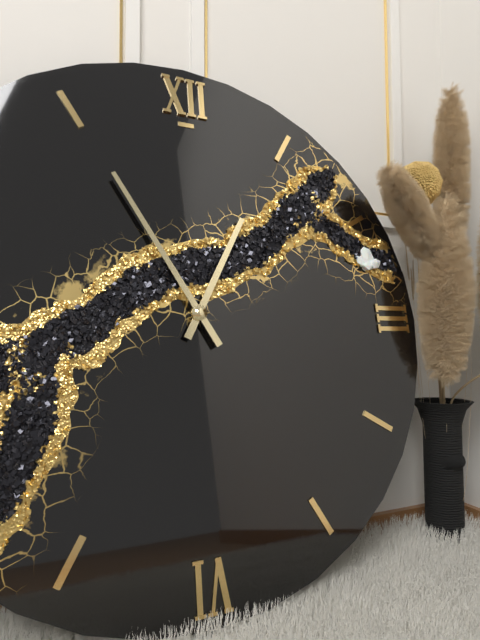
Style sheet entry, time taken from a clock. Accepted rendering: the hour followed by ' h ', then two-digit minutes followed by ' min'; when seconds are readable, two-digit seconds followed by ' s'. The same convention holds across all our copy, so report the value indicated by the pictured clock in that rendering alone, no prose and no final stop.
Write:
12 h 55 min
